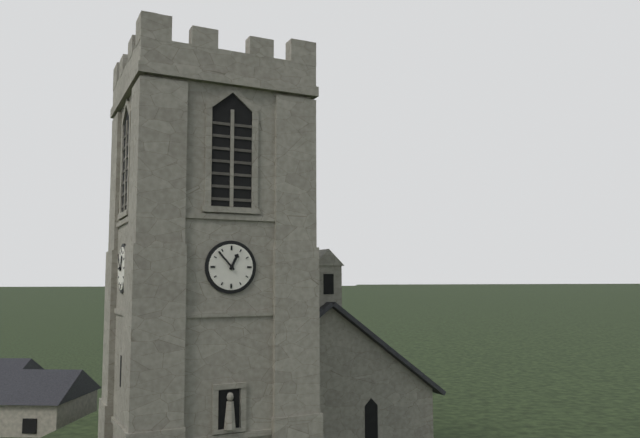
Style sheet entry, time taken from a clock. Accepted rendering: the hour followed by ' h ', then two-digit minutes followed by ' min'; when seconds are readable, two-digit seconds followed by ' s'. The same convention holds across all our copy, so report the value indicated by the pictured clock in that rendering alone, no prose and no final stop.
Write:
12 h 53 min
